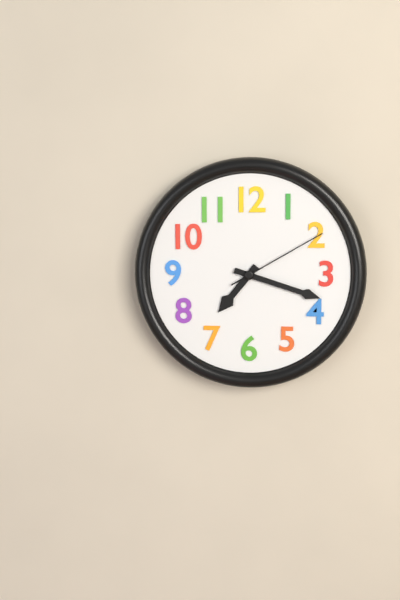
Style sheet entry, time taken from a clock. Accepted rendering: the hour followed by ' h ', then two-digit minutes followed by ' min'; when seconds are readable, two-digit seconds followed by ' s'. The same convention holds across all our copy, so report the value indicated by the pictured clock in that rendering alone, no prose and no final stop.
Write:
7 h 18 min 10 s
